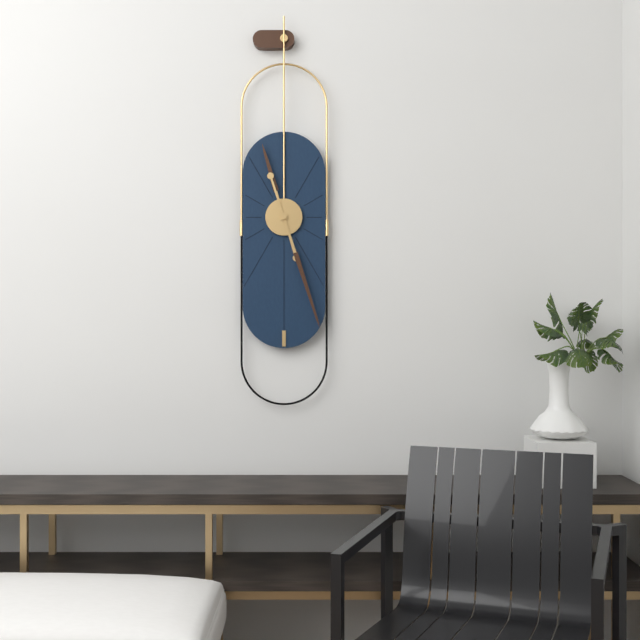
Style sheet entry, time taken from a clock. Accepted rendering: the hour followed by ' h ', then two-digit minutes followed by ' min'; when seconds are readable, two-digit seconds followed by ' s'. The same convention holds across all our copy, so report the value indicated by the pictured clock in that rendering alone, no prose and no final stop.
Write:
11 h 27 min
